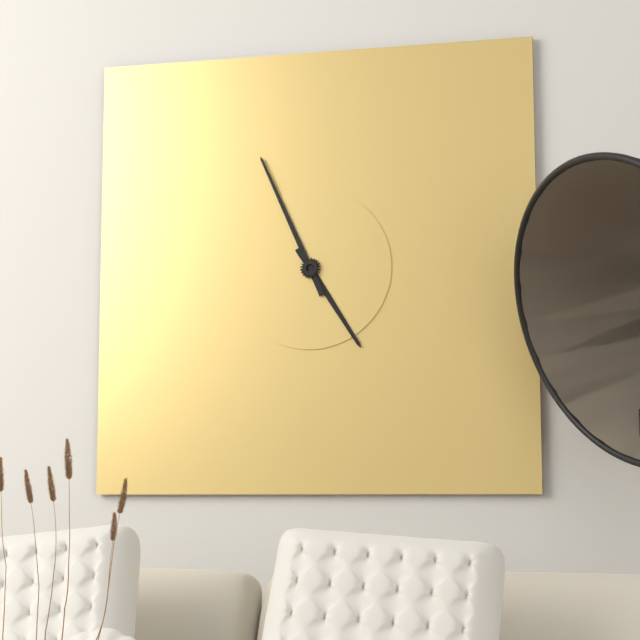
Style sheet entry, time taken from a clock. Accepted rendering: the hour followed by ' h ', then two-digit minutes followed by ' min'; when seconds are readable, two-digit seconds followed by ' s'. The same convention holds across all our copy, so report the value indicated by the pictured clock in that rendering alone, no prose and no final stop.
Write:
4 h 56 min
